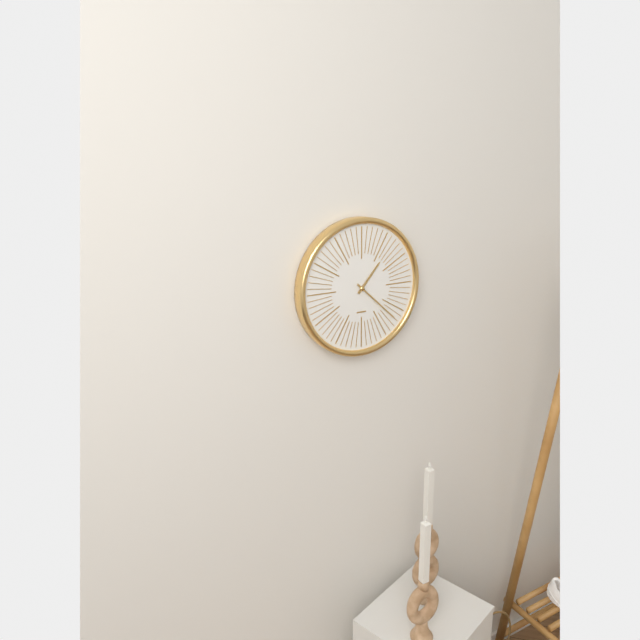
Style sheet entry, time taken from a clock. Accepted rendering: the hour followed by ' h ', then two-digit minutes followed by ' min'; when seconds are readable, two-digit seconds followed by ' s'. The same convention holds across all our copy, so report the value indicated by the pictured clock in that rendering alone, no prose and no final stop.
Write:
1 h 22 min
